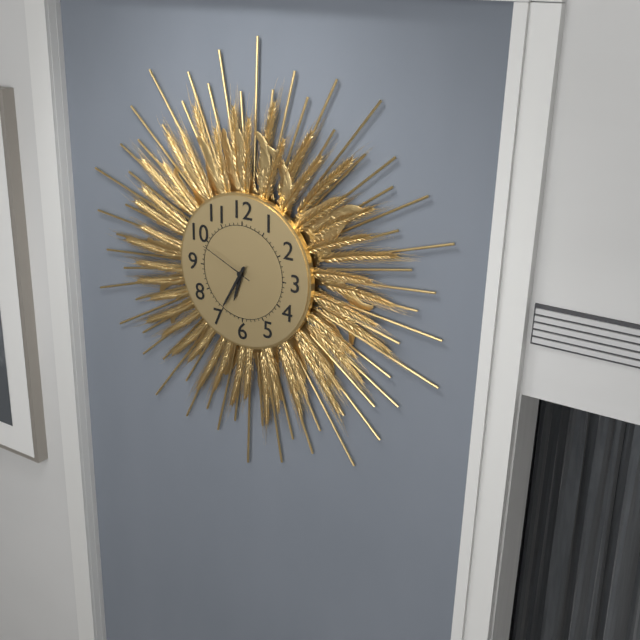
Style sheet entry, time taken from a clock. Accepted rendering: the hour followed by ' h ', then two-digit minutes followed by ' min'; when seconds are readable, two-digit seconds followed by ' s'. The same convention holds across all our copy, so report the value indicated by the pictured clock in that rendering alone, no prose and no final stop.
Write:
6 h 35 min 49 s
